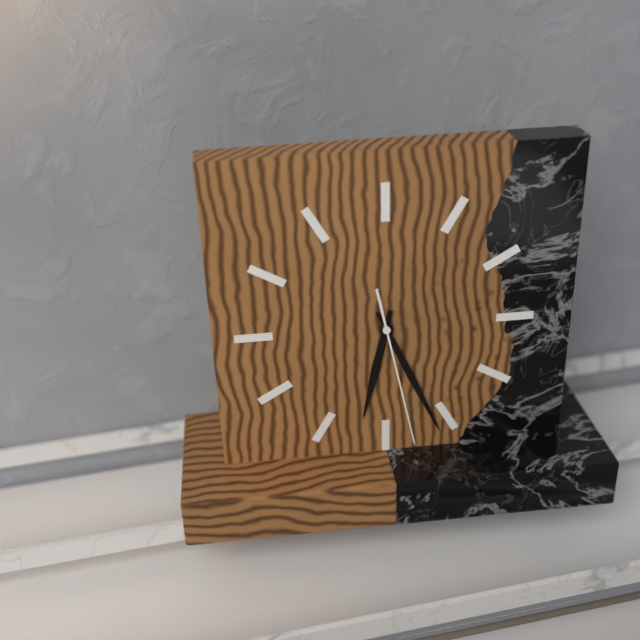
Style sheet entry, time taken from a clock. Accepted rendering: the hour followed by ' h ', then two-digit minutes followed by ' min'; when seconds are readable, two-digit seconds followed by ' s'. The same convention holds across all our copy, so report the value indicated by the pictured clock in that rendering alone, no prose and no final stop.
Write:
6 h 26 min 28 s
